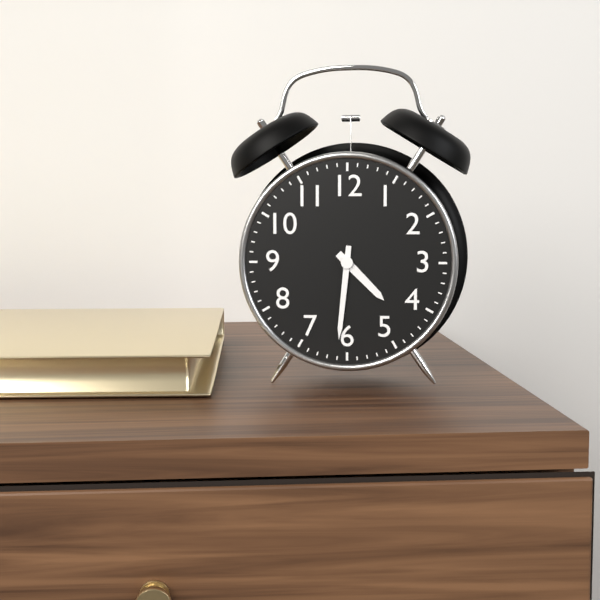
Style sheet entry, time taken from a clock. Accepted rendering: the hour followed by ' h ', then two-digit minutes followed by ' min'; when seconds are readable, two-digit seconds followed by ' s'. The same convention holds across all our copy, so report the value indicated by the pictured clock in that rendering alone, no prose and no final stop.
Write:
4 h 31 min
